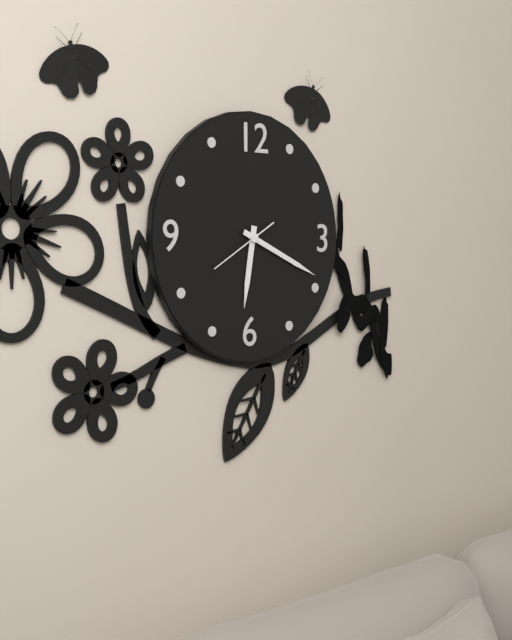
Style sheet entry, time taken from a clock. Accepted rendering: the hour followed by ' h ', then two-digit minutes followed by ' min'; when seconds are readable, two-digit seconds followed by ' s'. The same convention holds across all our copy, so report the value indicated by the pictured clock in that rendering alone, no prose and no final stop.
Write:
6 h 19 min 40 s
